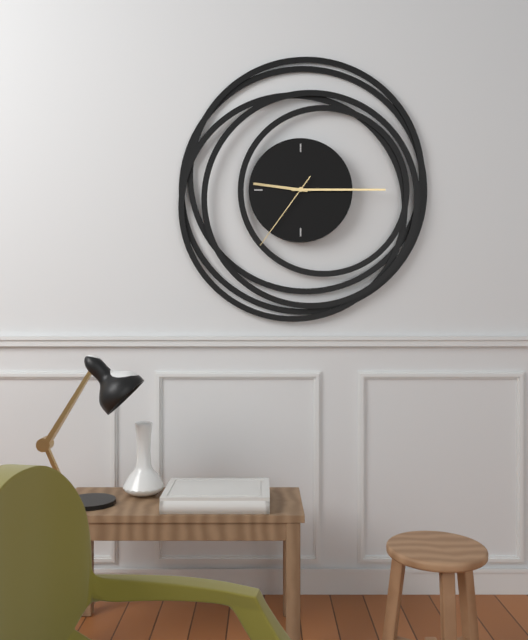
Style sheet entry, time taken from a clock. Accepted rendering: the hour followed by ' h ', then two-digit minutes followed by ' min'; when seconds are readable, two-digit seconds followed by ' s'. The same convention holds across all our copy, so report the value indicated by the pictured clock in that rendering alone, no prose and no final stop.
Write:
9 h 15 min 36 s
